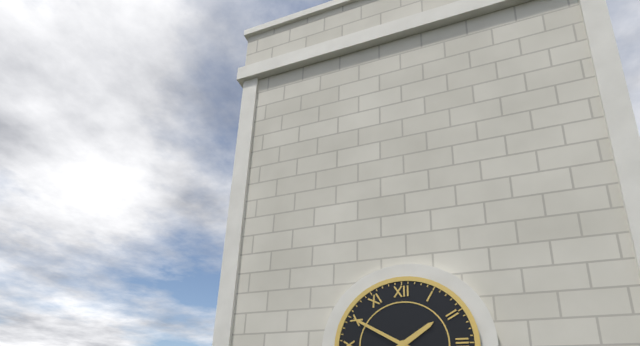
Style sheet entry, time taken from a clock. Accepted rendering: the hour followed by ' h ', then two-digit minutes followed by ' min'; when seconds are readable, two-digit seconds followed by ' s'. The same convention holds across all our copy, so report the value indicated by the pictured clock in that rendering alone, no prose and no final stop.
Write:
1 h 50 min
